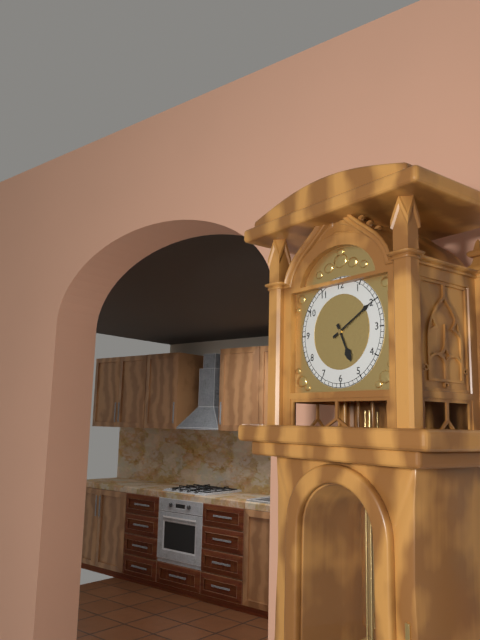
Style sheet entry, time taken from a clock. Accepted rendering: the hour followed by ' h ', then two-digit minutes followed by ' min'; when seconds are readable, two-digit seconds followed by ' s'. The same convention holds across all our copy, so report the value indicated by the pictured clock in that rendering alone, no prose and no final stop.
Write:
5 h 10 min
